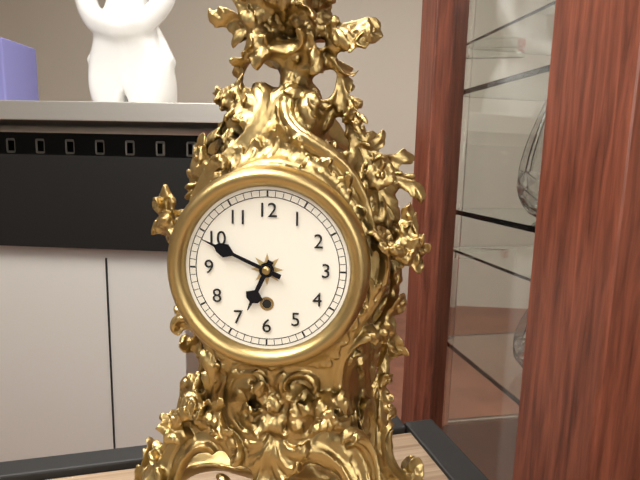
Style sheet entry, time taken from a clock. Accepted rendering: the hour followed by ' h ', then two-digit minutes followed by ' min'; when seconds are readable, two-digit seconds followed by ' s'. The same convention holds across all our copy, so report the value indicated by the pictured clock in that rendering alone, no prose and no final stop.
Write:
6 h 49 min
